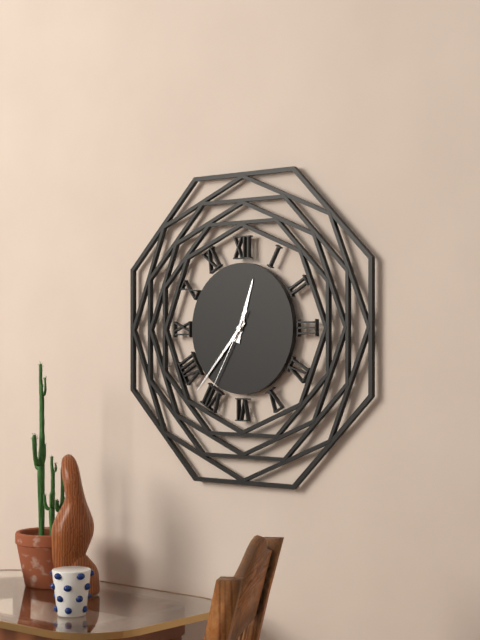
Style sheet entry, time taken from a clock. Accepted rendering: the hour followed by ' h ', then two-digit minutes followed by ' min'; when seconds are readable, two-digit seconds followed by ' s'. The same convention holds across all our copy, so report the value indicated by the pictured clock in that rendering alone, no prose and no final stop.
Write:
12 h 37 min 35 s
